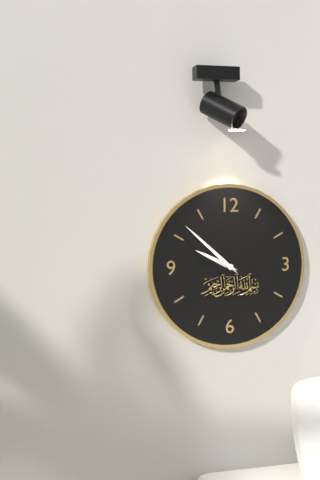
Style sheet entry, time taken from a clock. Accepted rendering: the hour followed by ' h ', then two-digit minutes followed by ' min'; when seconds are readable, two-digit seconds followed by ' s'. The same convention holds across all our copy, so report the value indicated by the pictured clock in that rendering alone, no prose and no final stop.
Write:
9 h 52 min
